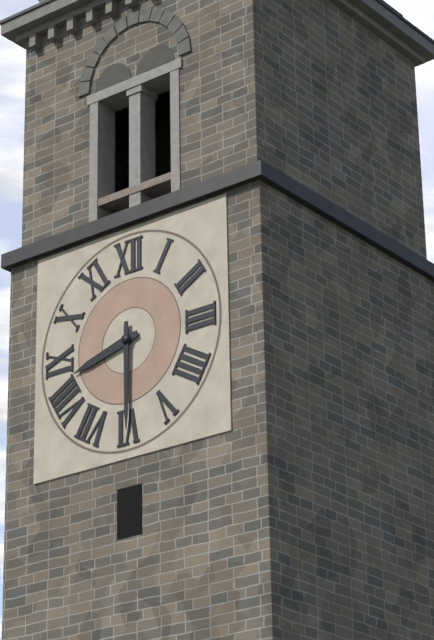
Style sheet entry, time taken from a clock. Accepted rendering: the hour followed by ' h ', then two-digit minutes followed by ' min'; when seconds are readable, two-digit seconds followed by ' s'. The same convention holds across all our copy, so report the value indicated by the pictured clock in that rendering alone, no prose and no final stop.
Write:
8 h 30 min
